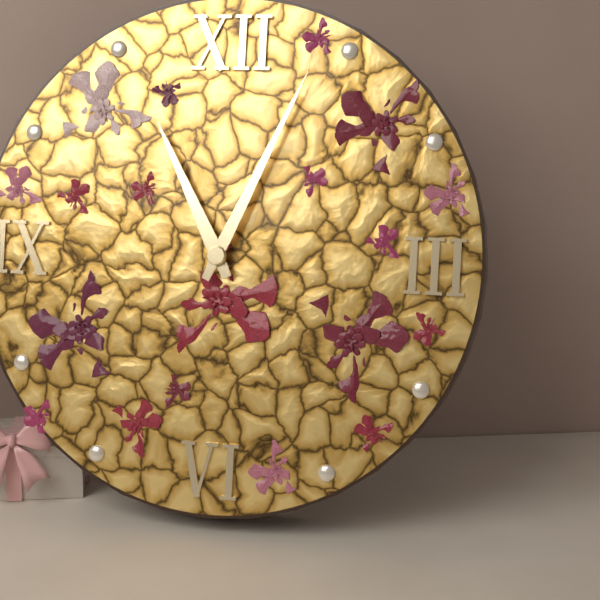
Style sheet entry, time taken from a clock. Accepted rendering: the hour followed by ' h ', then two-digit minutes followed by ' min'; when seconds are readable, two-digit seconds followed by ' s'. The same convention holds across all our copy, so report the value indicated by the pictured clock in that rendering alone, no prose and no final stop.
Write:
11 h 04 min
